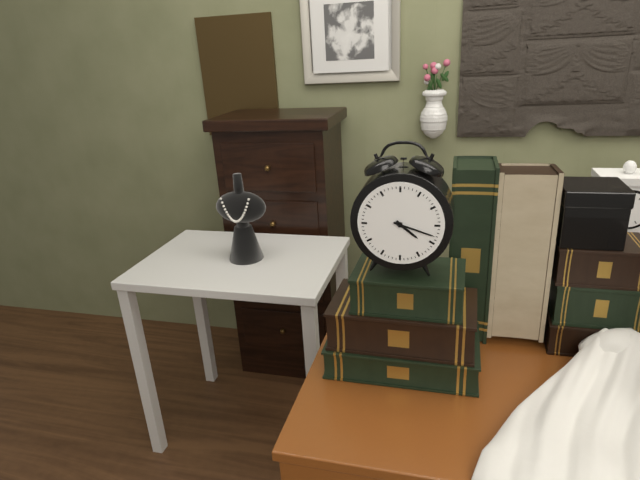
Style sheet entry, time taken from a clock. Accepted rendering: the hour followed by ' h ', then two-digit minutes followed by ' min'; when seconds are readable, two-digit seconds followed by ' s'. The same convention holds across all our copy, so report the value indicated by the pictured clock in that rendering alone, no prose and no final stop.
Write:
4 h 18 min
